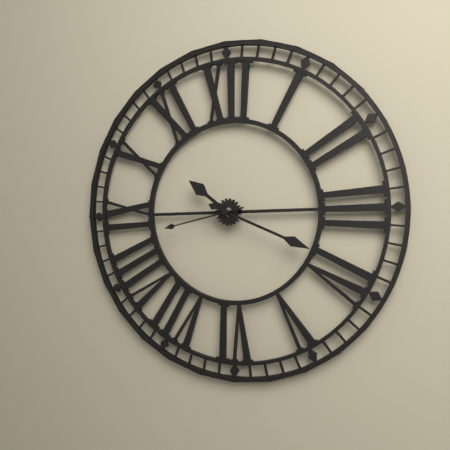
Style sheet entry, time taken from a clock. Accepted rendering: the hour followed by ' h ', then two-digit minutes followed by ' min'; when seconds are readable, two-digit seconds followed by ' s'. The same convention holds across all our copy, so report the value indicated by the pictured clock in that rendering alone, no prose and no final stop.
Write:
10 h 19 min 43 s
